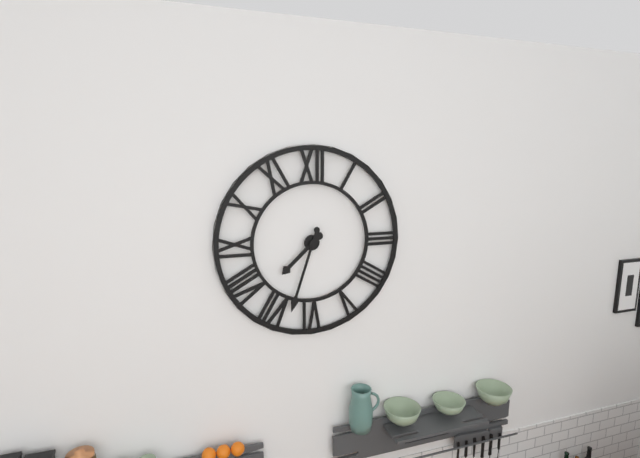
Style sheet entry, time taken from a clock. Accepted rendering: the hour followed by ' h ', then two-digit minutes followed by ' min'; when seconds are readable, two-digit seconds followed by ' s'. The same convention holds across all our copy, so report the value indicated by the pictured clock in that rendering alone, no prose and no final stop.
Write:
7 h 33 min
